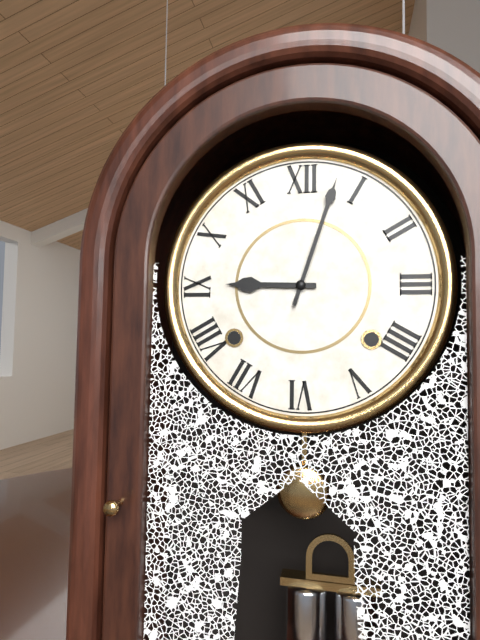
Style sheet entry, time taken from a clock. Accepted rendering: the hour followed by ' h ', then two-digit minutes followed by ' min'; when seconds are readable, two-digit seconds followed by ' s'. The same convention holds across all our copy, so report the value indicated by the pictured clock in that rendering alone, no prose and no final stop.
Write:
9 h 03 min
